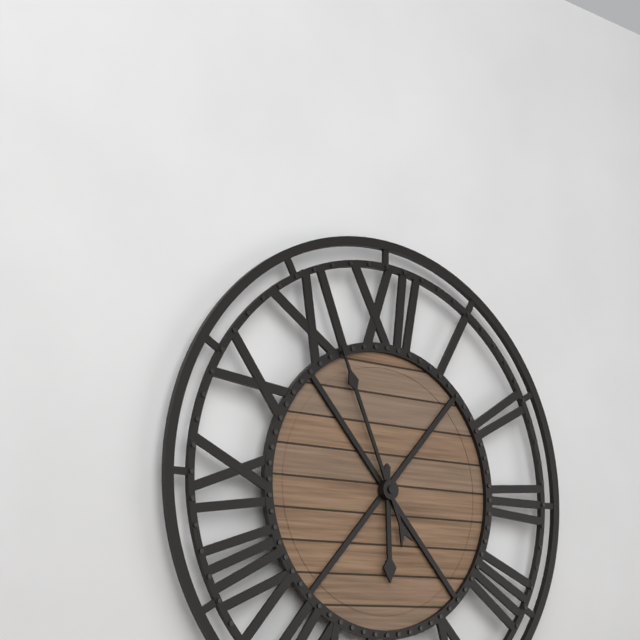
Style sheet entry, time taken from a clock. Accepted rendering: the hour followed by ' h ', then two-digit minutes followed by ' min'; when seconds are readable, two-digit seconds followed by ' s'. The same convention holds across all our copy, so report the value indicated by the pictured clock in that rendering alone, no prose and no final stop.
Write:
5 h 56 min
